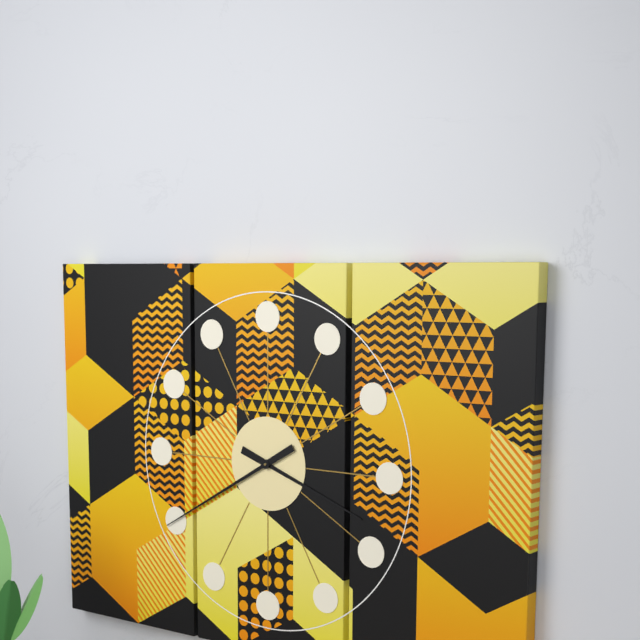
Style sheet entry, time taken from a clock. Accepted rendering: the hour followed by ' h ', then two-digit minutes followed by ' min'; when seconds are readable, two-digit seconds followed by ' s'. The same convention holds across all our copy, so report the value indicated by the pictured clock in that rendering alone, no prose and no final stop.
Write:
3 h 40 min
